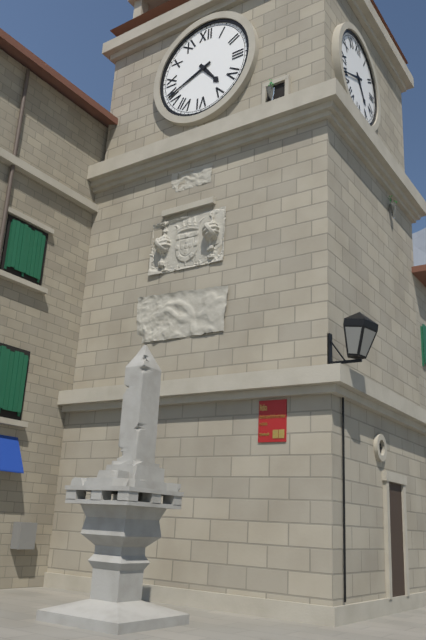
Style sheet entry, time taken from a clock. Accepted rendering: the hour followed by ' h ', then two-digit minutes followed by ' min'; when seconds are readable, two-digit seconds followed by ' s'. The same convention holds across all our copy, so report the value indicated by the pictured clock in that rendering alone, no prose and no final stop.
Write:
4 h 41 min
